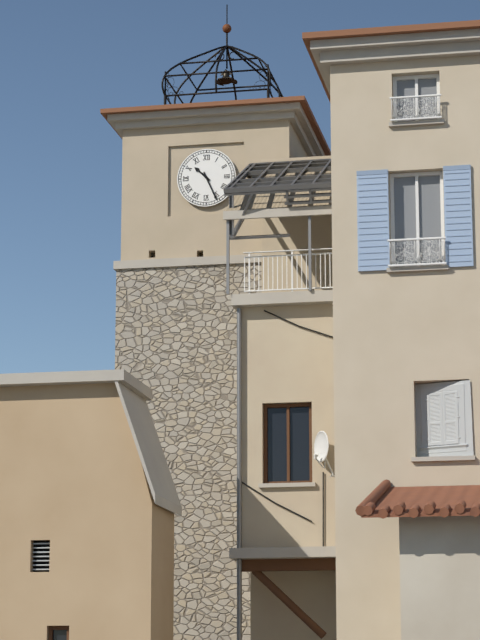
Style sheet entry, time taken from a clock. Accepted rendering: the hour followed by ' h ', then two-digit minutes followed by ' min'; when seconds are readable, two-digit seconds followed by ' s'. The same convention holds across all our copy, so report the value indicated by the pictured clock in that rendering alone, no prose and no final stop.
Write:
10 h 26 min
